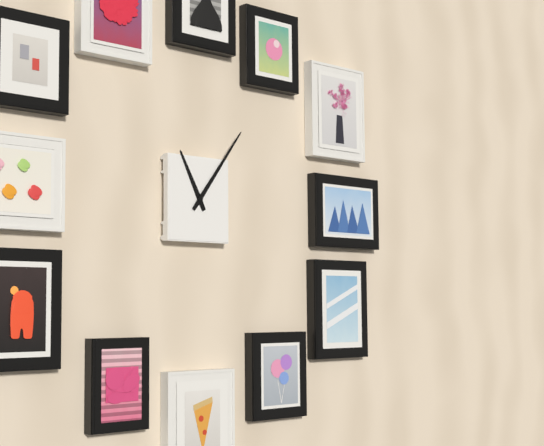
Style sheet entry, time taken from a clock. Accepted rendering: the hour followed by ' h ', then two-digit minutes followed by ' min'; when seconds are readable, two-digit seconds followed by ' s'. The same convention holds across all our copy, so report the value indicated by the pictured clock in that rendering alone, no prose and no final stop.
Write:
11 h 06 min
